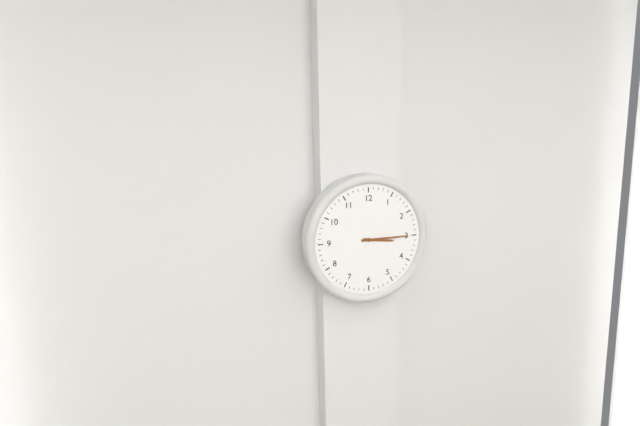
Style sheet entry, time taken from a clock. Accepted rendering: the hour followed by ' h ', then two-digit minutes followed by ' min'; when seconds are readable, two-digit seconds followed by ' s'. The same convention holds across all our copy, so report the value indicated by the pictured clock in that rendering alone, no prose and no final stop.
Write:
3 h 15 min
